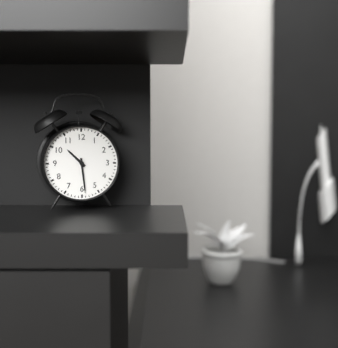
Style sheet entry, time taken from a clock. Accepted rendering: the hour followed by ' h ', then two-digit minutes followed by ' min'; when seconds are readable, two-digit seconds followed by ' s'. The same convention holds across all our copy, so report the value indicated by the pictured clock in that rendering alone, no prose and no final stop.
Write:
10 h 29 min
